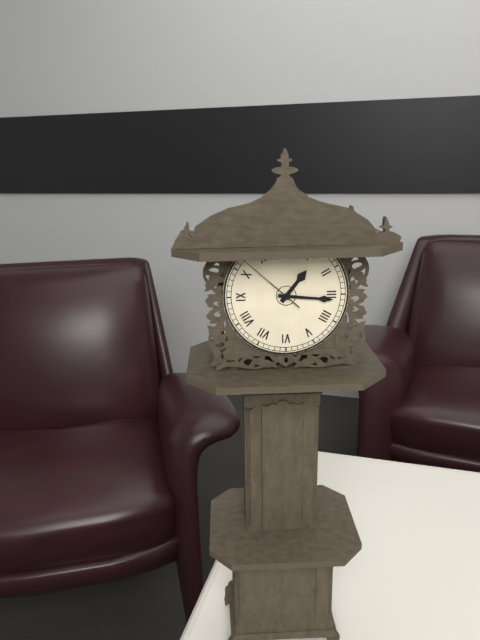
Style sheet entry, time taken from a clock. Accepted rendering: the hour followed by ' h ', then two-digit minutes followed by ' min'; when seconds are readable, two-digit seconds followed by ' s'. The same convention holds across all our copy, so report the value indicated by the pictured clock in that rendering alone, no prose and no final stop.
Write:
1 h 16 min 52 s
